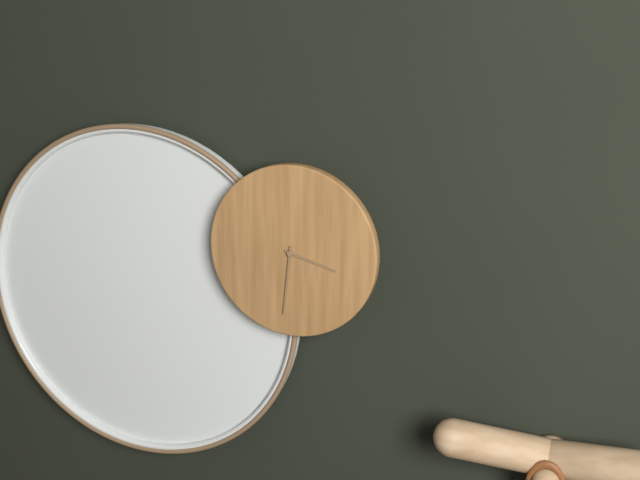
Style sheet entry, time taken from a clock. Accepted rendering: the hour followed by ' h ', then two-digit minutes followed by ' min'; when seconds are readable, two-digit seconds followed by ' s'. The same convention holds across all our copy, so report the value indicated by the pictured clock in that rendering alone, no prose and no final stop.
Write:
3 h 31 min
